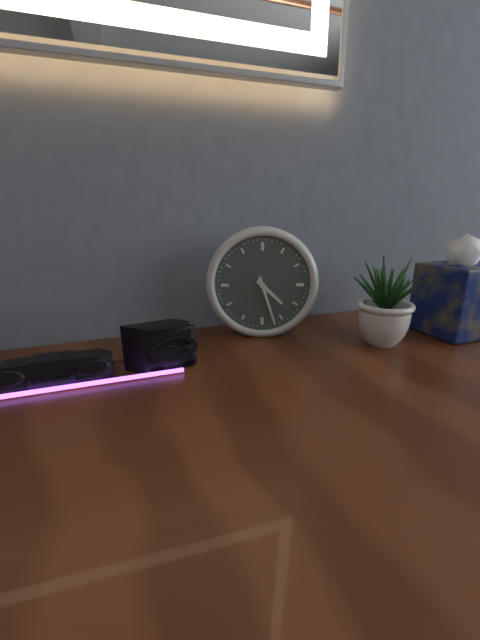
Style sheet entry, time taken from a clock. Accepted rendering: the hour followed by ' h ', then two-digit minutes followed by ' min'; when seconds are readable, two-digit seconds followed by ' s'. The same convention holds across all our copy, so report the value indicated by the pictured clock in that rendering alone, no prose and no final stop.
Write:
4 h 27 min
